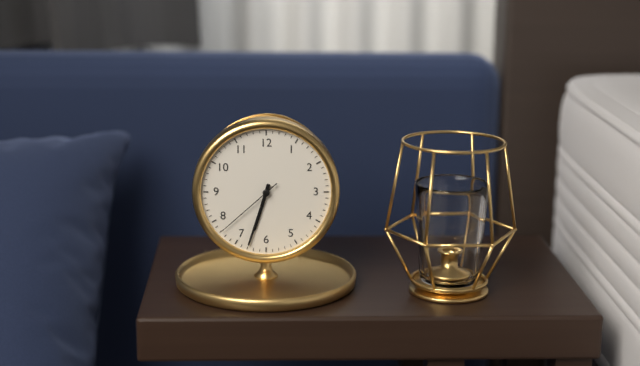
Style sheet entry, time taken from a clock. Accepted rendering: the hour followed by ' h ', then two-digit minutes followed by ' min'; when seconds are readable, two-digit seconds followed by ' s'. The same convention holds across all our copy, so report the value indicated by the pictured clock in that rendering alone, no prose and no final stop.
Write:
6 h 33 min 38 s
